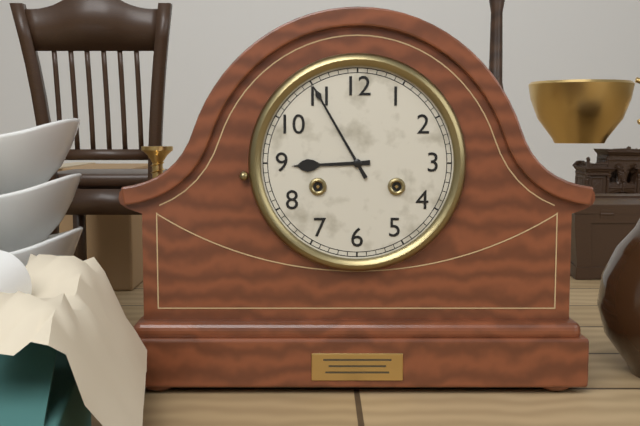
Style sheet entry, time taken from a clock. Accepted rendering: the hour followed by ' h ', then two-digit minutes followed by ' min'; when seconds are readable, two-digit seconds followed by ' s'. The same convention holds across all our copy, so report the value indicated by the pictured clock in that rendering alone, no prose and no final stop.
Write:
8 h 55 min
